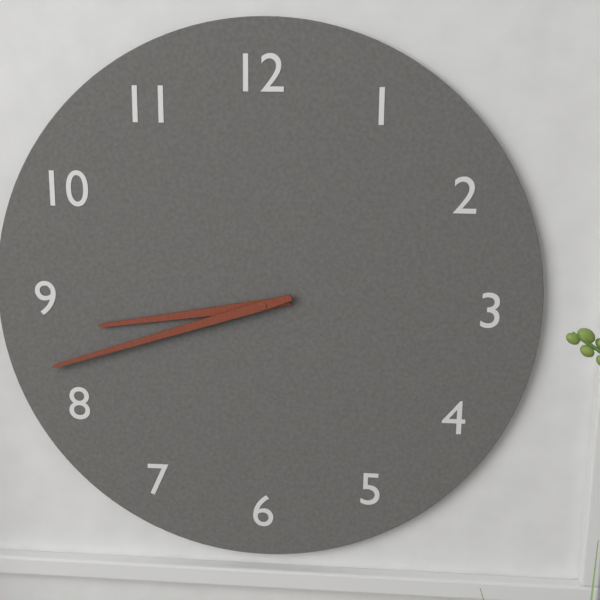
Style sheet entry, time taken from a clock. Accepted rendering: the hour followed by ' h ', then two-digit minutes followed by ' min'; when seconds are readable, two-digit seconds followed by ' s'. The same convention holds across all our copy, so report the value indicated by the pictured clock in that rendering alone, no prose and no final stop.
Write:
8 h 42 min
